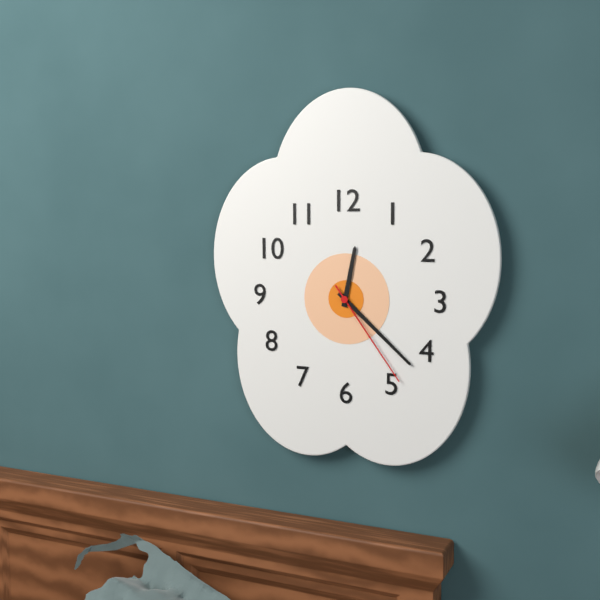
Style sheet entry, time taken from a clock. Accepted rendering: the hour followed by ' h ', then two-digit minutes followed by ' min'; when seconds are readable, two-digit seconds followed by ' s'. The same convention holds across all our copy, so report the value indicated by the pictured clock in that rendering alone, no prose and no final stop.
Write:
12 h 22 min 24 s
